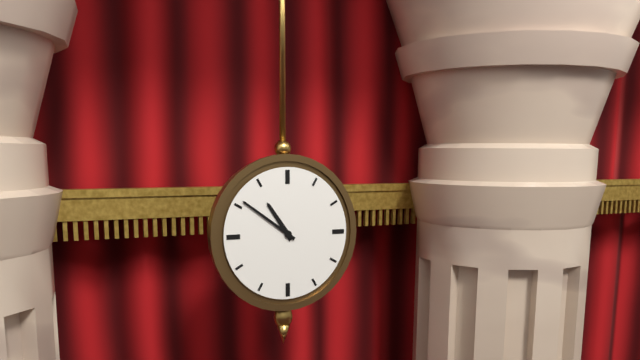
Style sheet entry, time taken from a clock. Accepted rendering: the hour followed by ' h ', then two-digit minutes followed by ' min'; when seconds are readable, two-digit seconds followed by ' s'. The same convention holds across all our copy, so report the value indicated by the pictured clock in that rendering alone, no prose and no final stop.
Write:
10 h 51 min
